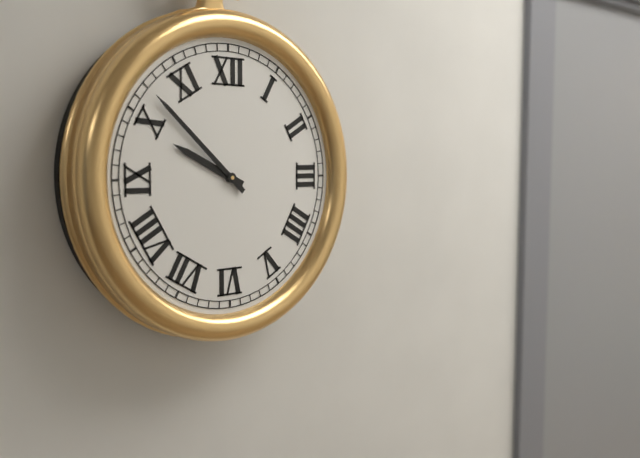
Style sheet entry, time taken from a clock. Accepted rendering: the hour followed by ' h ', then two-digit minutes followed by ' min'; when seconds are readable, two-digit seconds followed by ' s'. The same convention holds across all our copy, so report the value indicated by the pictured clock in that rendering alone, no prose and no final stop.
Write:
9 h 52 min
